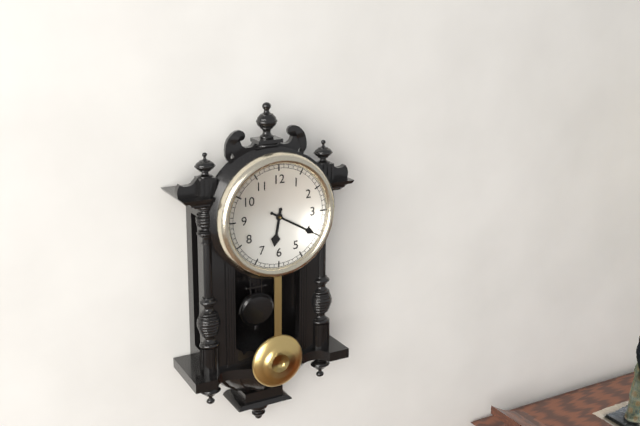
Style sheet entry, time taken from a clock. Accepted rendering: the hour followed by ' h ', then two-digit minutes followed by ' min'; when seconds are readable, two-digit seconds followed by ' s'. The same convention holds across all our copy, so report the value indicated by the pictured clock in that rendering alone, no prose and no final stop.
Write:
6 h 20 min
